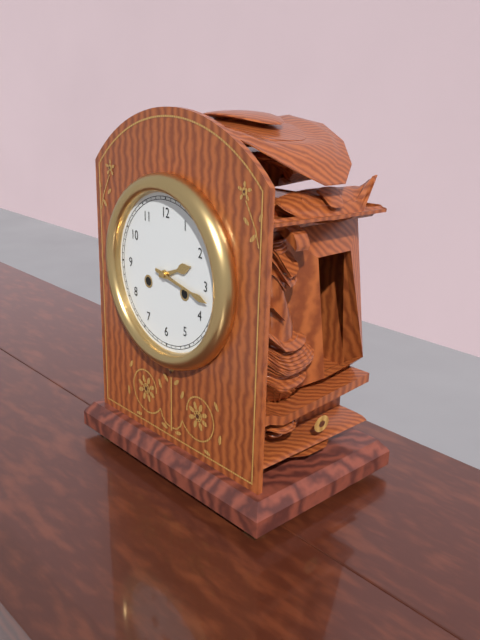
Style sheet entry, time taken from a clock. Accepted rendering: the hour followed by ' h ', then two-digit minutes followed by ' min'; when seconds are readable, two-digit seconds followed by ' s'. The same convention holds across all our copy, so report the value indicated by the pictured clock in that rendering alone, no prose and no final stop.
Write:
2 h 17 min
